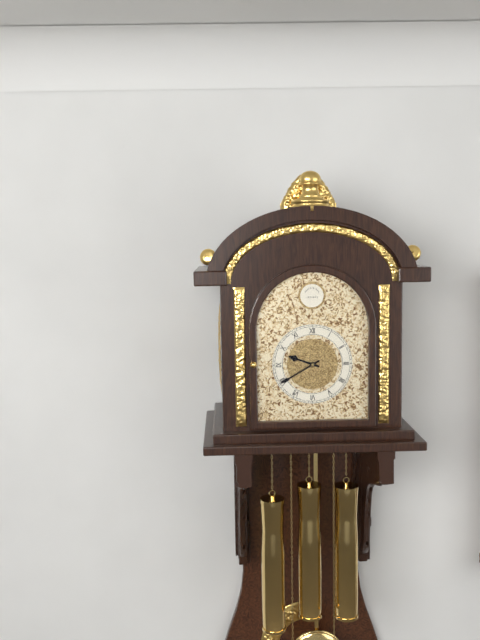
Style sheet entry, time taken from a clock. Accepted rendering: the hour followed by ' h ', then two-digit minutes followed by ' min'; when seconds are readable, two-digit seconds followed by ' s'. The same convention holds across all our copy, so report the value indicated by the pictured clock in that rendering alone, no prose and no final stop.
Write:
9 h 40 min
